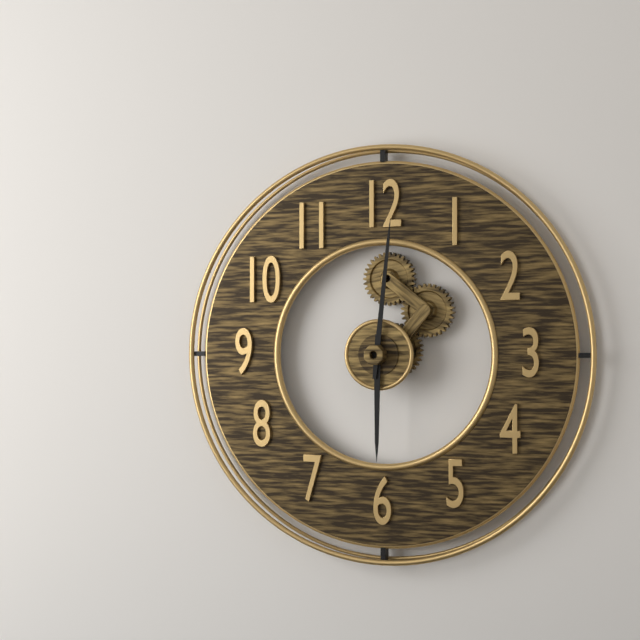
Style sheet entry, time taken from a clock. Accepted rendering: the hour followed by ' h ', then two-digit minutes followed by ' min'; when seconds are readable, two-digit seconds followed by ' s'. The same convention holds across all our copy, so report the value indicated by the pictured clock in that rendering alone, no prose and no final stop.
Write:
6 h 01 min
